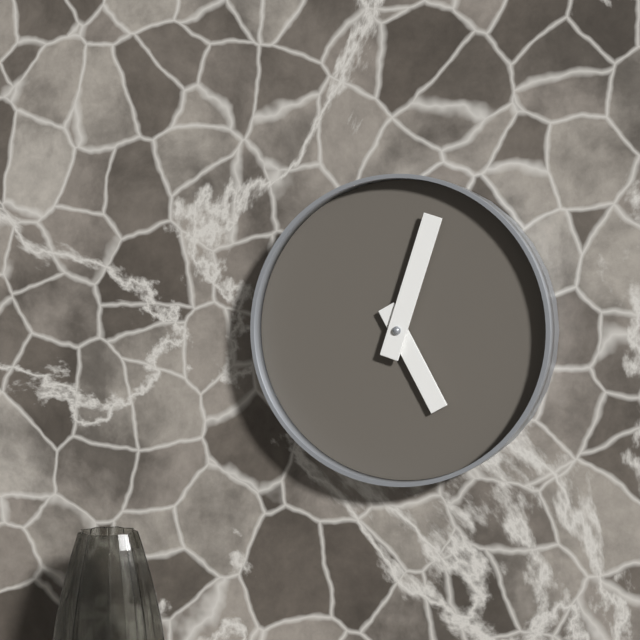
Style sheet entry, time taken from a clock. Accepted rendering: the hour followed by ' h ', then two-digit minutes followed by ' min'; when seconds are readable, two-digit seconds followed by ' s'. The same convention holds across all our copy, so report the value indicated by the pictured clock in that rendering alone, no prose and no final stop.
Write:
5 h 03 min
